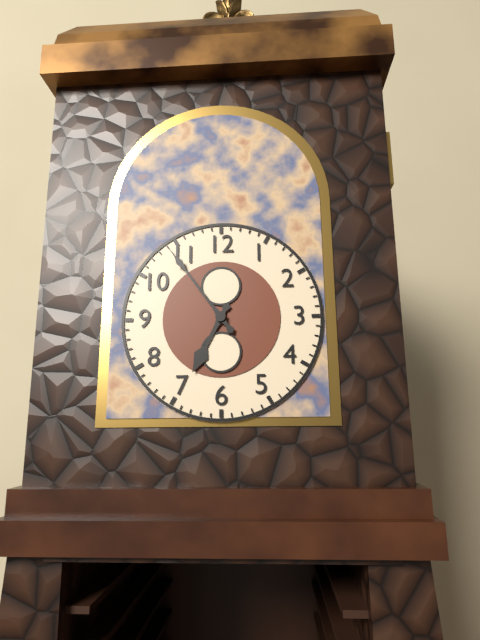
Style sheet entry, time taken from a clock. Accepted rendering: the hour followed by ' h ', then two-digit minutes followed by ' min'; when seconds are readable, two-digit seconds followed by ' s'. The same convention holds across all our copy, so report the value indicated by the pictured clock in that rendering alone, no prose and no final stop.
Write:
6 h 54 min
